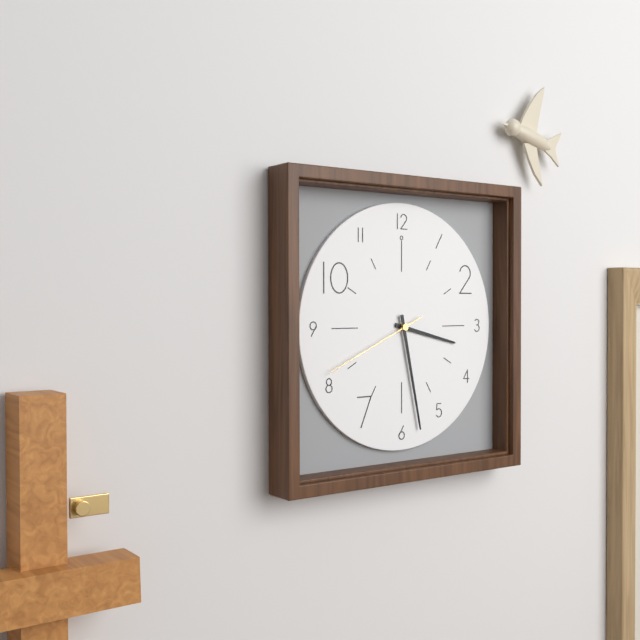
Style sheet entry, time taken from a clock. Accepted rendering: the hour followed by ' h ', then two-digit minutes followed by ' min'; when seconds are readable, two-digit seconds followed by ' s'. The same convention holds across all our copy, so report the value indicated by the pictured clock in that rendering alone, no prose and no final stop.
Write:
3 h 28 min 41 s
